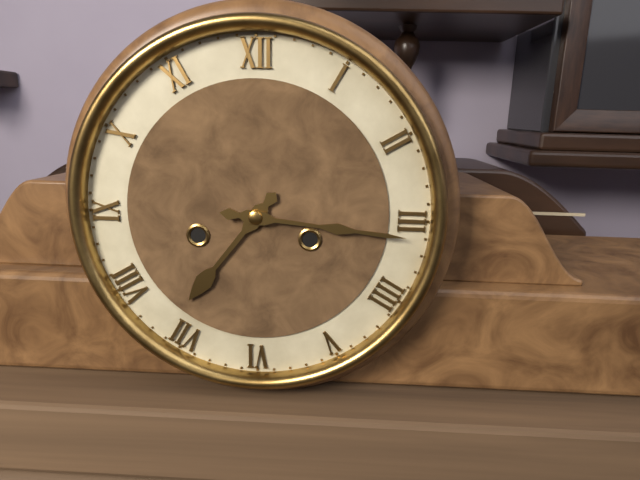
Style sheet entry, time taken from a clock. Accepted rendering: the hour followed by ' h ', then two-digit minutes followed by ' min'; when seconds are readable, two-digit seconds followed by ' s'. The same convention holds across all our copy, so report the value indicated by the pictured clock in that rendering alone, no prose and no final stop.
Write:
7 h 16 min
